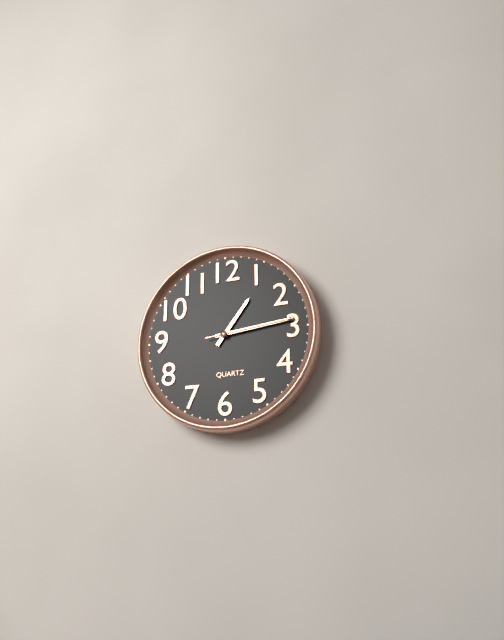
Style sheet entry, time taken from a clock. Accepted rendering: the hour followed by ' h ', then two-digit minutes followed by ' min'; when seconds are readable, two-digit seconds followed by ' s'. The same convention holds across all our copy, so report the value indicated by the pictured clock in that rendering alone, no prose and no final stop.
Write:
1 h 14 min 14 s
